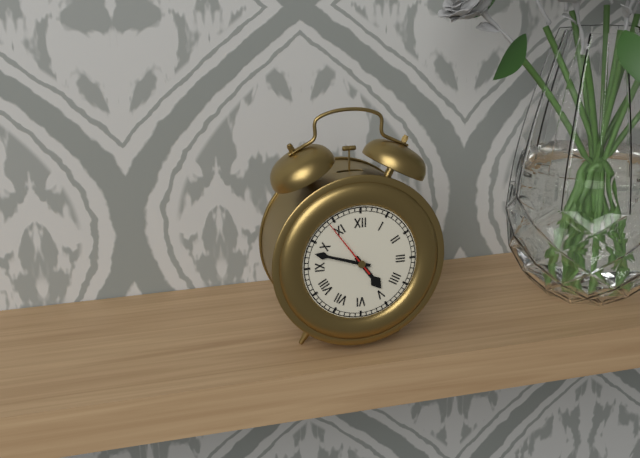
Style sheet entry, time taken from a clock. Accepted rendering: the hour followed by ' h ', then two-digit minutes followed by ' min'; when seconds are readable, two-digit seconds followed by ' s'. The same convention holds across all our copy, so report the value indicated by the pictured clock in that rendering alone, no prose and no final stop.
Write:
4 h 48 min 54 s
